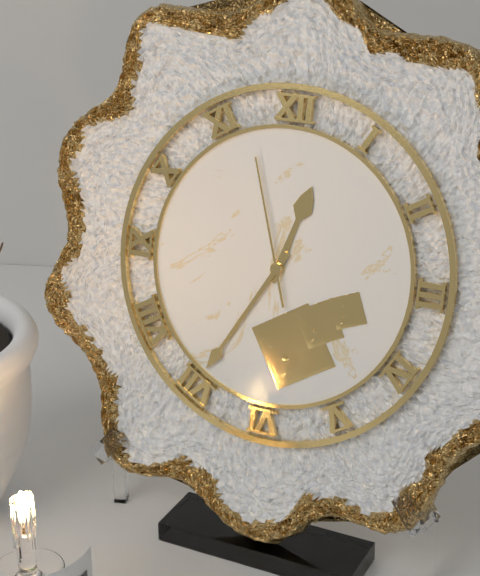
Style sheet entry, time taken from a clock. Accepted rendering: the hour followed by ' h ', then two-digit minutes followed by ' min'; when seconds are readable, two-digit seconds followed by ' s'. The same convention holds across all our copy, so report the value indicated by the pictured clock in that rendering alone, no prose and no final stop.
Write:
12 h 35 min 57 s
